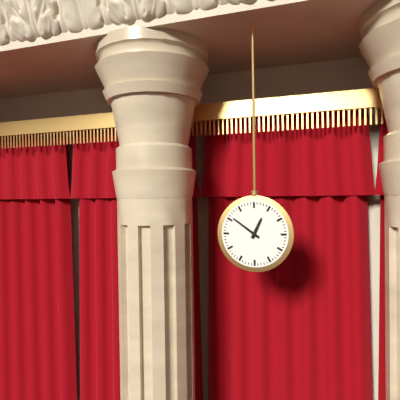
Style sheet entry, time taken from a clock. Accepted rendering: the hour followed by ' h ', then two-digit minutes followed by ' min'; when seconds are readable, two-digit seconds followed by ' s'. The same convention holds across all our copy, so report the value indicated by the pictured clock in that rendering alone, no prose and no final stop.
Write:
12 h 51 min
